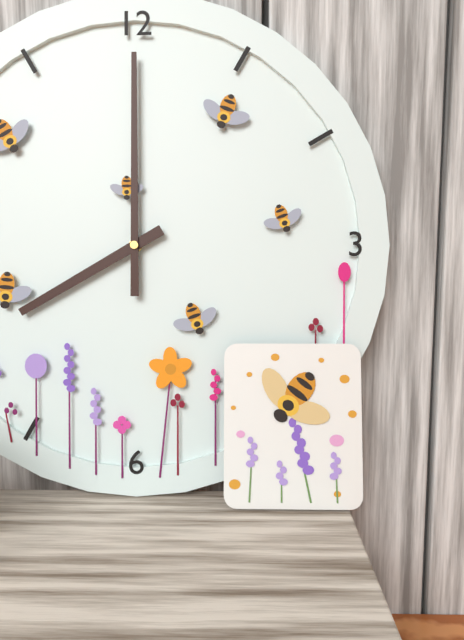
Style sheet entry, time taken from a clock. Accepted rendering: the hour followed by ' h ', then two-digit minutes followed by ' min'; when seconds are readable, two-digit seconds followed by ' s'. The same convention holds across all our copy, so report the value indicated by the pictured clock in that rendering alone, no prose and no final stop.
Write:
8 h 00 min
